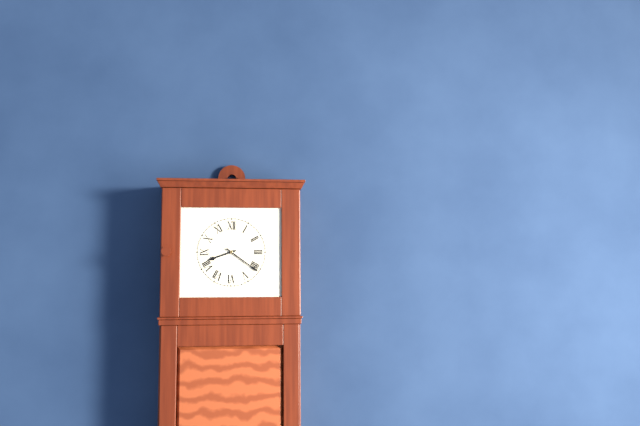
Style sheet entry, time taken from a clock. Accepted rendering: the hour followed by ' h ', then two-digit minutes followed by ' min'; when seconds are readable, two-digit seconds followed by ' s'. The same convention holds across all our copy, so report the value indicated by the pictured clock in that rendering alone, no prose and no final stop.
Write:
8 h 21 min
